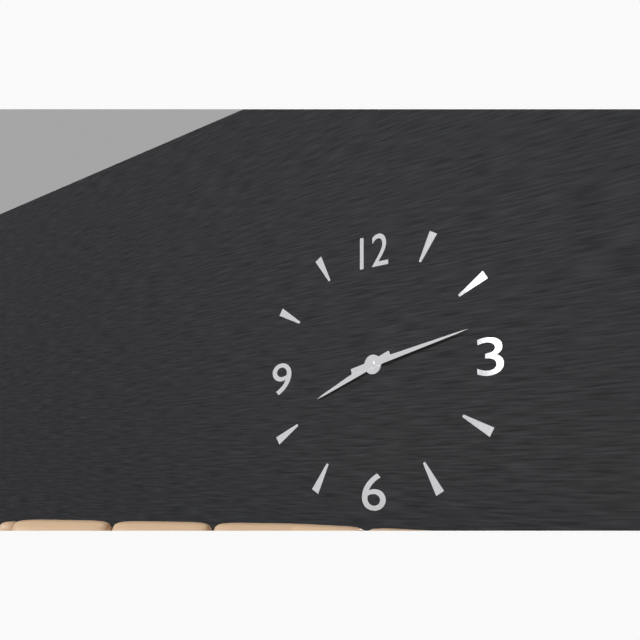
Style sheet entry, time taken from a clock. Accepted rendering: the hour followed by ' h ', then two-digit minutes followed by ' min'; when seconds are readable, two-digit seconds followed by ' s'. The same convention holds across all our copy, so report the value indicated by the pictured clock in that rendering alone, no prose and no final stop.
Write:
8 h 13 min
